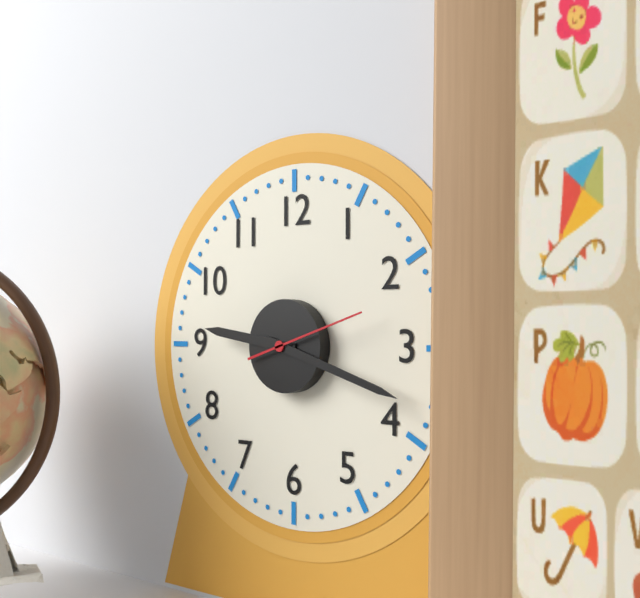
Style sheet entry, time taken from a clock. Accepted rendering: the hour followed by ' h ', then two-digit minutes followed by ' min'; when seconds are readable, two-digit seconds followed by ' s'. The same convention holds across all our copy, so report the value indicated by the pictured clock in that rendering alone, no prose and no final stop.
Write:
9 h 18 min 12 s
